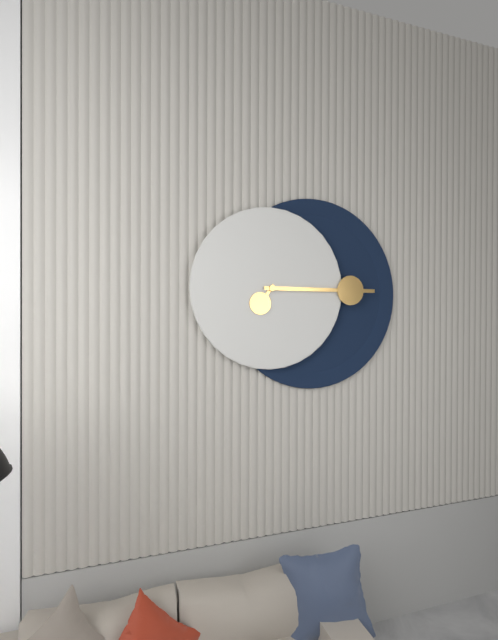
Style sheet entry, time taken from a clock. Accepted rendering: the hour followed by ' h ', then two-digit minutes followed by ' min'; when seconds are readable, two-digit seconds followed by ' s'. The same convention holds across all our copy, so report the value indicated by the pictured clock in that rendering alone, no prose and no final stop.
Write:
7 h 15 min
